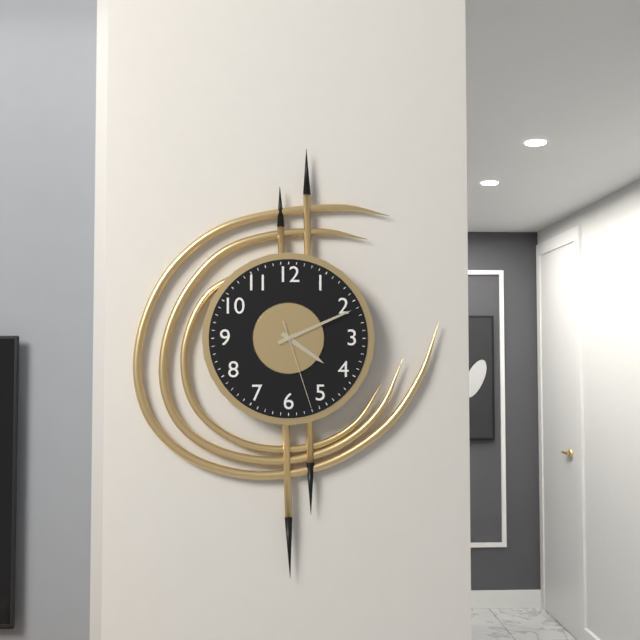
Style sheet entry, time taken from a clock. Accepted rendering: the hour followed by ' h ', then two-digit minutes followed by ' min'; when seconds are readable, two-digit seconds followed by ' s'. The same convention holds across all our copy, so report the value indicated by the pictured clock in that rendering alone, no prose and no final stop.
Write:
4 h 11 min 27 s
